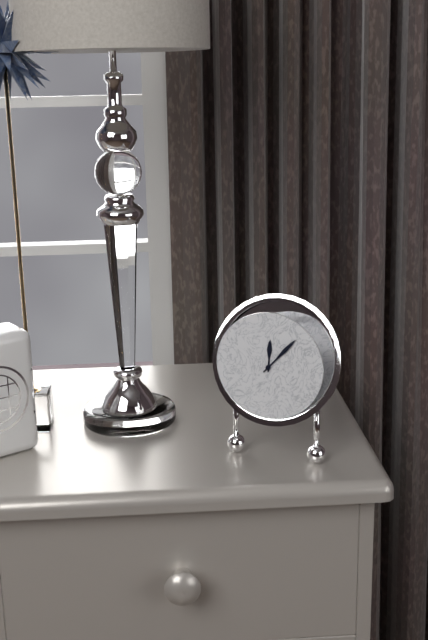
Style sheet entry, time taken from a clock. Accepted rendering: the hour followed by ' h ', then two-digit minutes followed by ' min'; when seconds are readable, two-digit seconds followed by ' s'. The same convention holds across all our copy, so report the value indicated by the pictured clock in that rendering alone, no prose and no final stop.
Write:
12 h 07 min
